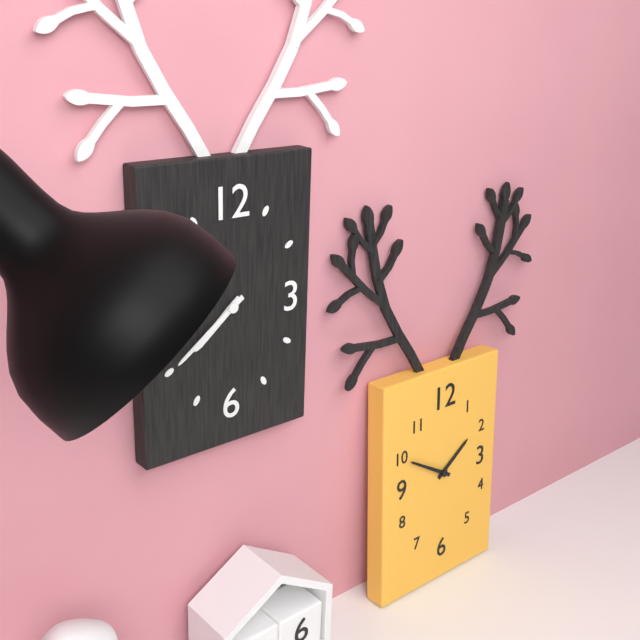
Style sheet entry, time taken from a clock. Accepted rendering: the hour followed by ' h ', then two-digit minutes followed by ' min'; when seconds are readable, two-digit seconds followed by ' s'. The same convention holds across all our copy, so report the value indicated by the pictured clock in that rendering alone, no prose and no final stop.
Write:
7 h 39 min
